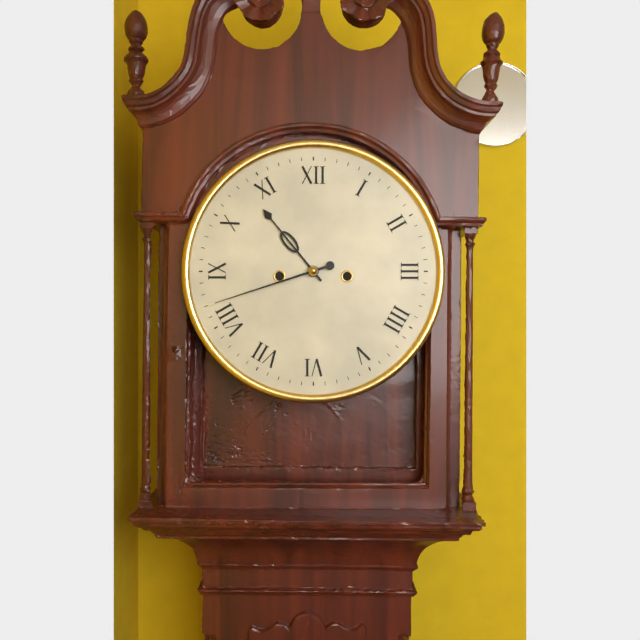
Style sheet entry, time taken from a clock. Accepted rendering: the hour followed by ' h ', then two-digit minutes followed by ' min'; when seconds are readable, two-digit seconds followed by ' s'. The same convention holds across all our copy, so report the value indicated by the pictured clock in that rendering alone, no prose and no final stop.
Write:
10 h 42 min
